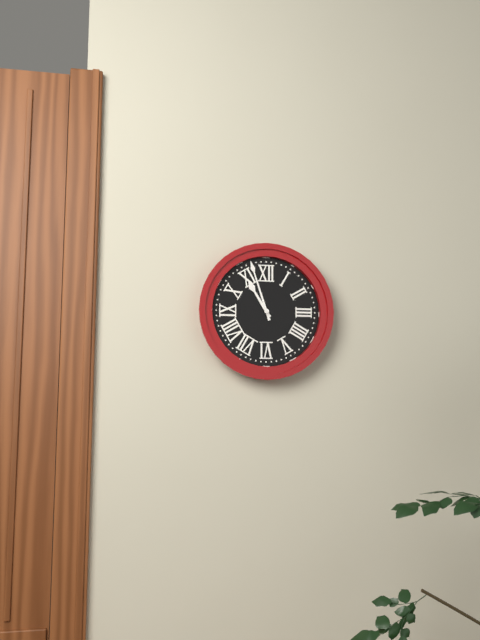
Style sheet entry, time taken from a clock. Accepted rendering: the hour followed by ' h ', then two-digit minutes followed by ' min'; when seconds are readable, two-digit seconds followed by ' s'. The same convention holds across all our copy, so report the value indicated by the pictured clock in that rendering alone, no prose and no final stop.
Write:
10 h 57 min
